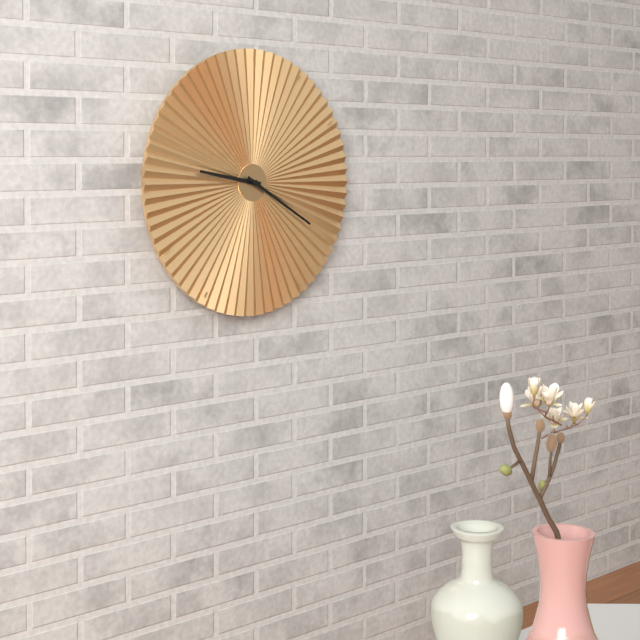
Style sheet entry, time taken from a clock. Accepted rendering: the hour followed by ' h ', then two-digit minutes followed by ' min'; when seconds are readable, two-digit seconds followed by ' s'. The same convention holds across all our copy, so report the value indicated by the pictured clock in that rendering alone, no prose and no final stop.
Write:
9 h 20 min
